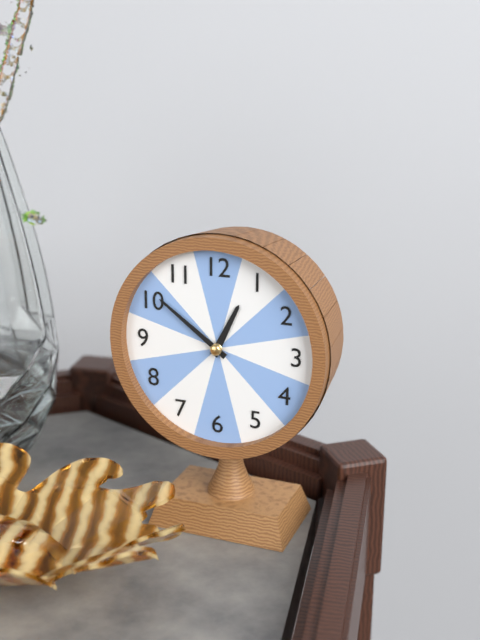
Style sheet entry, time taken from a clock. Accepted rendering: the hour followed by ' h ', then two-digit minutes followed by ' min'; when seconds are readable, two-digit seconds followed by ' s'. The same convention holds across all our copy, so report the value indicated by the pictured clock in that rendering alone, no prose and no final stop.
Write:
12 h 51 min
